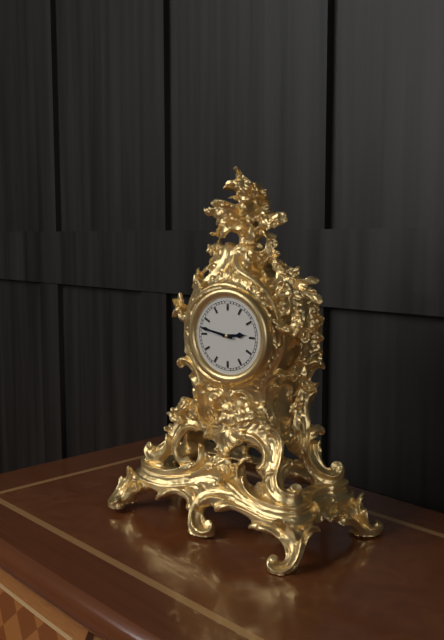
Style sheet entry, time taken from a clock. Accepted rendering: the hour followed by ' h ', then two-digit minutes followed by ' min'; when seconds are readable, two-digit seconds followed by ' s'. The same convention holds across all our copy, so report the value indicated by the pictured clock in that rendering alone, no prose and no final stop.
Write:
2 h 47 min
